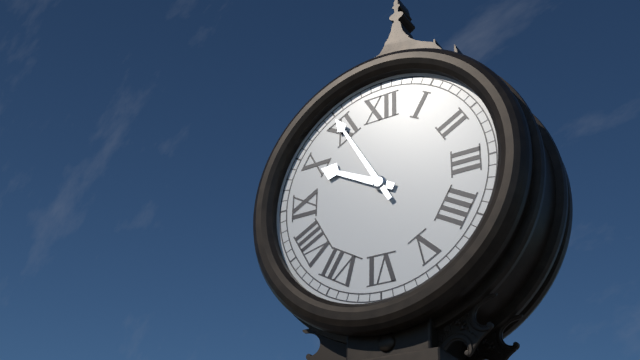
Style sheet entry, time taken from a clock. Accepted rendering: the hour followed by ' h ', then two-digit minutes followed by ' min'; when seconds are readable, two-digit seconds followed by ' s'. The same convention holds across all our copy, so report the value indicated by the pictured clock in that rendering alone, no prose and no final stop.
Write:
9 h 55 min
